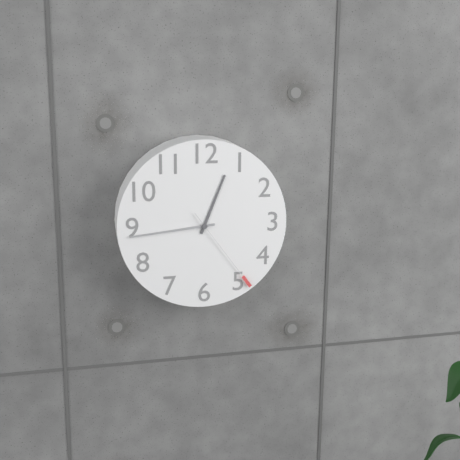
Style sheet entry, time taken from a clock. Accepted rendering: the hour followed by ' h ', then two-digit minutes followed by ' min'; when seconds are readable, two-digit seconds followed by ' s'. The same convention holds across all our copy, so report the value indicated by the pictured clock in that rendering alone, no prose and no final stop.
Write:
12 h 44 min 24 s
